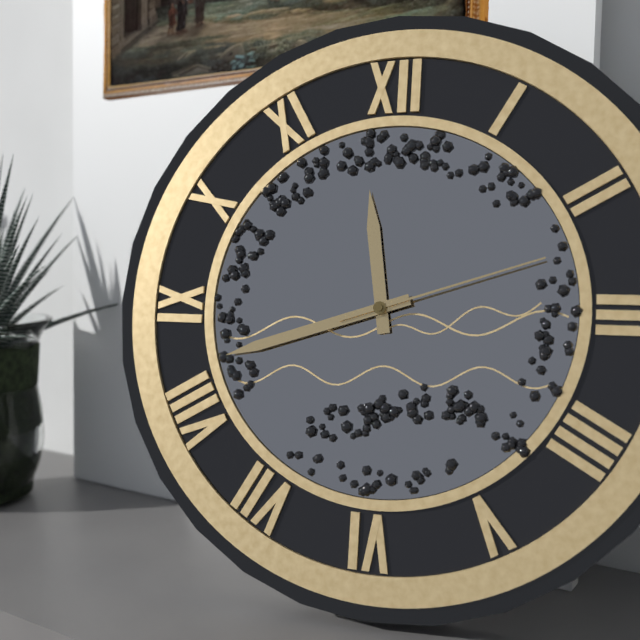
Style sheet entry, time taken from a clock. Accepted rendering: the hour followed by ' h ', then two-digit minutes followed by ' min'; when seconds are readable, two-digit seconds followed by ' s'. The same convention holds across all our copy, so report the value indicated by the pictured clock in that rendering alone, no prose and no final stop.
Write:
11 h 42 min 12 s
